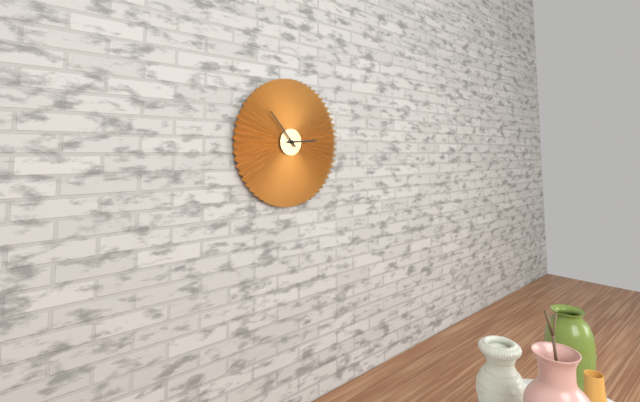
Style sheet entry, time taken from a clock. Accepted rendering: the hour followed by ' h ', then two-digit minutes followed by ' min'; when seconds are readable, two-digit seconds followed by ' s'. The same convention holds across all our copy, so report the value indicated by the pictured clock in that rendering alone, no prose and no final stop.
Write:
2 h 53 min
